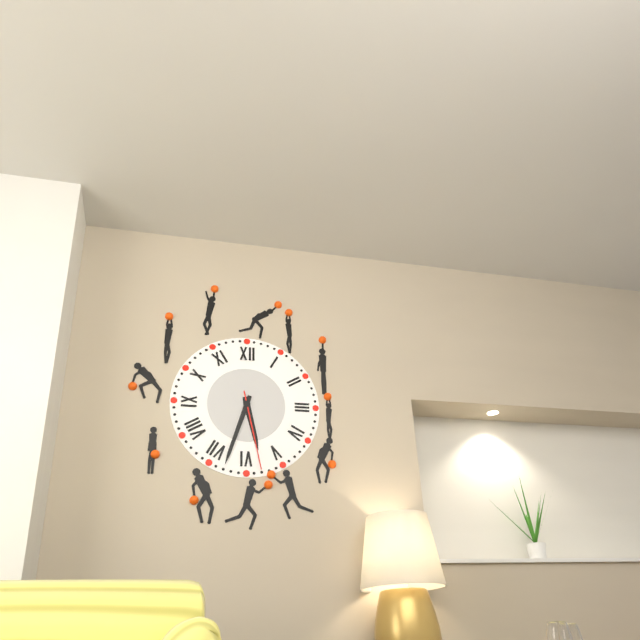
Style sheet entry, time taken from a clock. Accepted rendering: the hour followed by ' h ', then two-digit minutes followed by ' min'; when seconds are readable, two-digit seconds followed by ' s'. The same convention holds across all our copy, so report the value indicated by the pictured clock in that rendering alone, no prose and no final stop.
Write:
5 h 33 min 28 s
